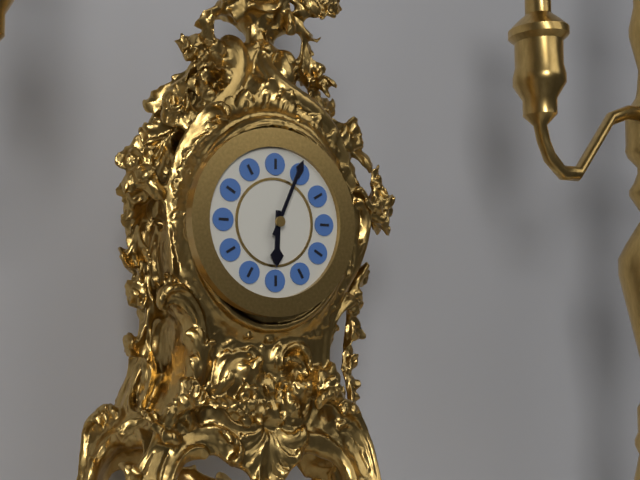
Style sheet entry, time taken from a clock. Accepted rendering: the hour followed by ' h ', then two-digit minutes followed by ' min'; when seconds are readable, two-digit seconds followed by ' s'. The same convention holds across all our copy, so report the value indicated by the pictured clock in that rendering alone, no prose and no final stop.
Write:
6 h 04 min
